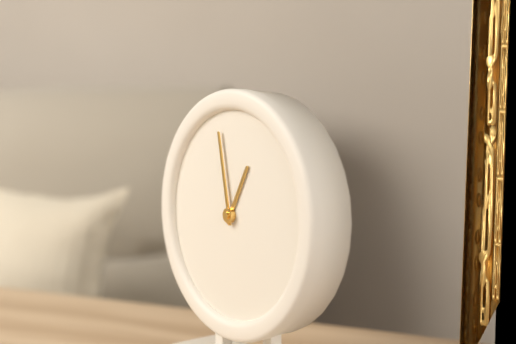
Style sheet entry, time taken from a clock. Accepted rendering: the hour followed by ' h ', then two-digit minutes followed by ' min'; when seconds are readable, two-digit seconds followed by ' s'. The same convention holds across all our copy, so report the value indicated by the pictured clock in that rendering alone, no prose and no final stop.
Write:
12 h 58 min
